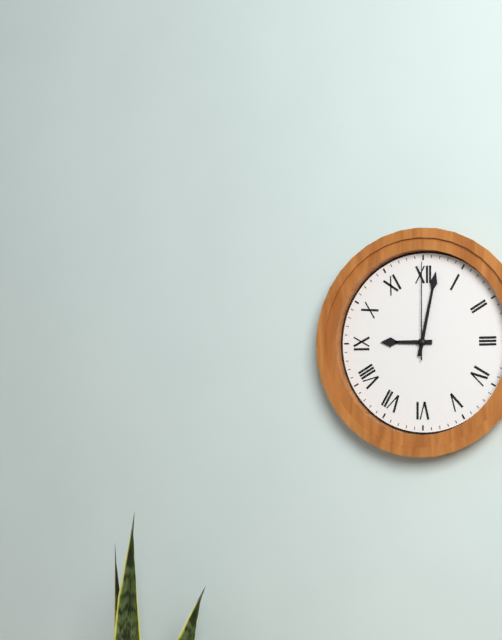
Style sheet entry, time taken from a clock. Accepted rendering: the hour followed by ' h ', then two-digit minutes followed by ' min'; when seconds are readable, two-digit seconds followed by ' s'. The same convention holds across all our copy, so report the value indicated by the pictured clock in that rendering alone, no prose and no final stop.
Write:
9 h 02 min 00 s
